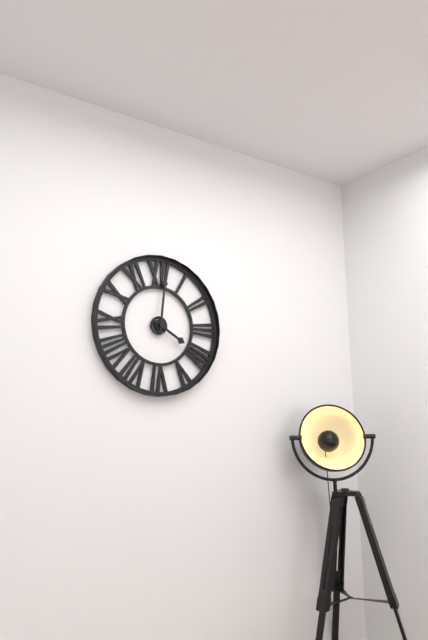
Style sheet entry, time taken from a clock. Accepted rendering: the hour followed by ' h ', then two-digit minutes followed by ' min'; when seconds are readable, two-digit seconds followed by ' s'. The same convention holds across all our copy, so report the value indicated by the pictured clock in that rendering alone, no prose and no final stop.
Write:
4 h 01 min
